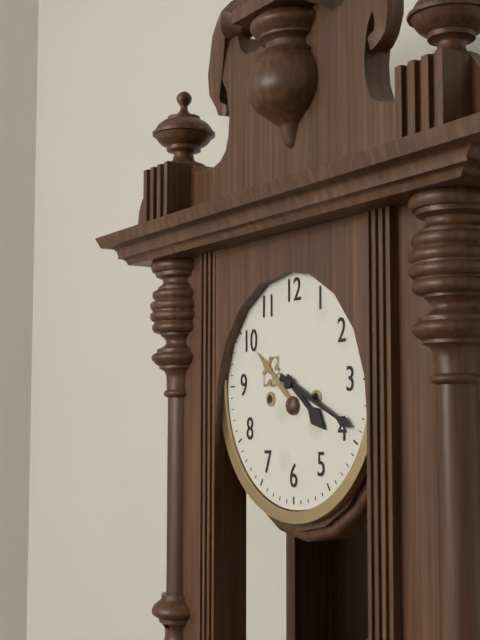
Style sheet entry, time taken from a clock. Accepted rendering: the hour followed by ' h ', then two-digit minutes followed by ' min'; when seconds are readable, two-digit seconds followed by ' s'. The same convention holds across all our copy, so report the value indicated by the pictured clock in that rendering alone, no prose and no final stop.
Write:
4 h 19 min
